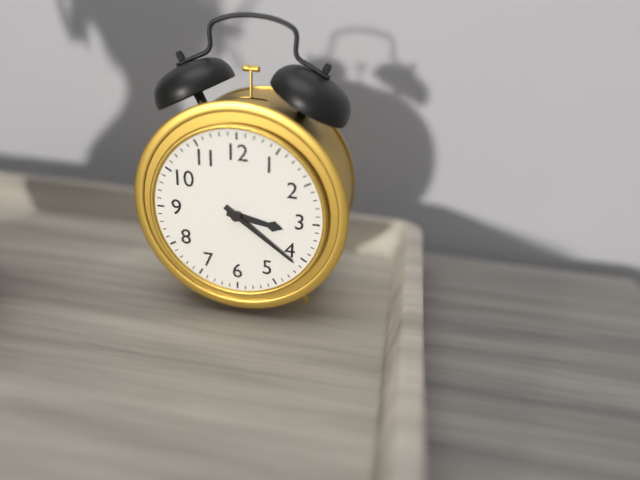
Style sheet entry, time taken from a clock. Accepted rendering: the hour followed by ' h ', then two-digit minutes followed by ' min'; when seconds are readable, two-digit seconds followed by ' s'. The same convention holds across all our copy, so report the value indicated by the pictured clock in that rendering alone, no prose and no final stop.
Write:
3 h 21 min
